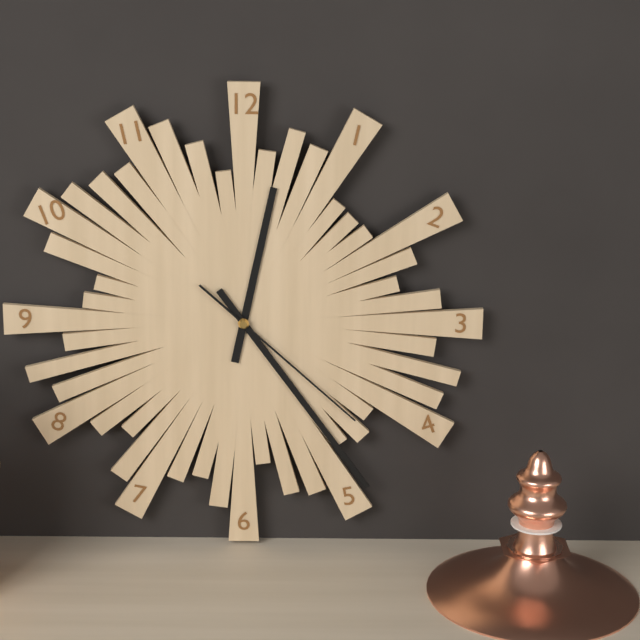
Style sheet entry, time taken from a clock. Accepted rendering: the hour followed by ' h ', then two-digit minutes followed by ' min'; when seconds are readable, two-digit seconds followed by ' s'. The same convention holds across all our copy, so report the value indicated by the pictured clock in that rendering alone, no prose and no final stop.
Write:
12 h 24 min 22 s
